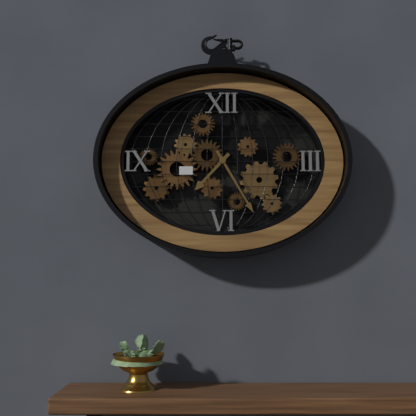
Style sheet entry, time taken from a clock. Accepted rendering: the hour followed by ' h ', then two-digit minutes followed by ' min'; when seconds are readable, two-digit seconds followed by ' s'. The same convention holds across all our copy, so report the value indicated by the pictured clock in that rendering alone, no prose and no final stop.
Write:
7 h 25 min
